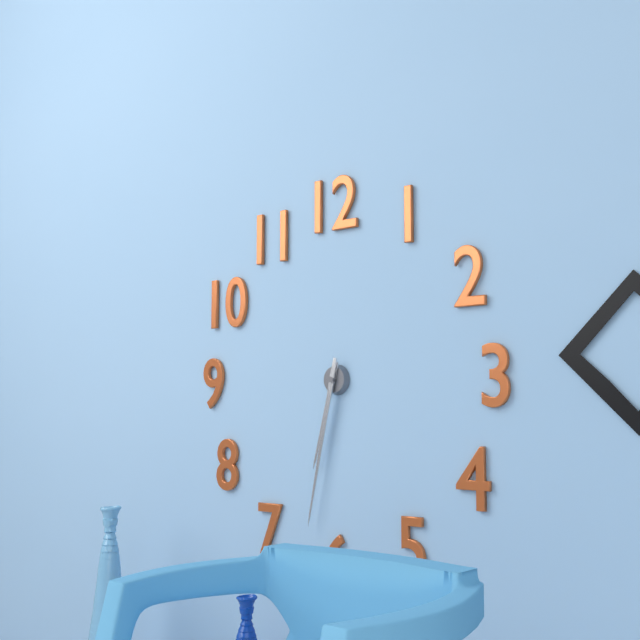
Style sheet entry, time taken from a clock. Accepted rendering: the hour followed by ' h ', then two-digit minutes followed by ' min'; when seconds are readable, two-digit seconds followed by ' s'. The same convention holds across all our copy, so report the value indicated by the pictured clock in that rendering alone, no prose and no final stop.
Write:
6 h 32 min
